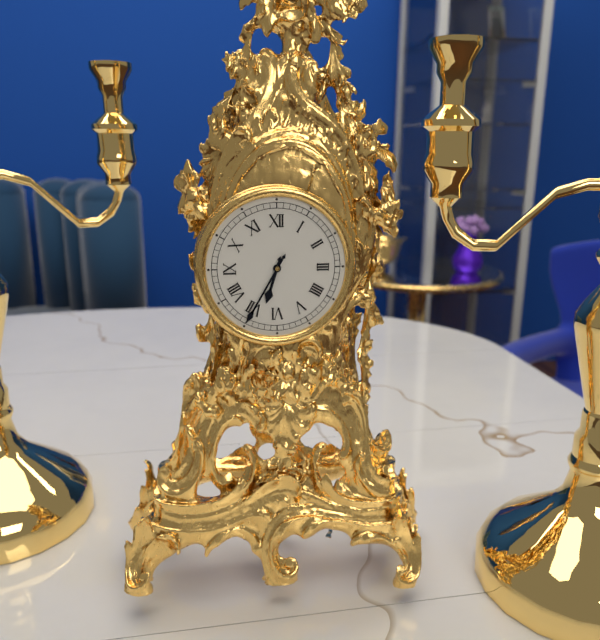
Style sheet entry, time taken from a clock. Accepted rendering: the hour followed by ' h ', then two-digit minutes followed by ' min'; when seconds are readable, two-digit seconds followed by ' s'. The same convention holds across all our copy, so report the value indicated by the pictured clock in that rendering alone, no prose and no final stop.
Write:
6 h 35 min
